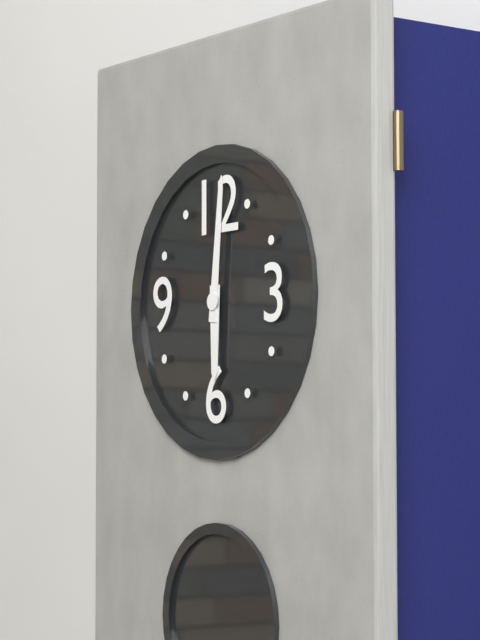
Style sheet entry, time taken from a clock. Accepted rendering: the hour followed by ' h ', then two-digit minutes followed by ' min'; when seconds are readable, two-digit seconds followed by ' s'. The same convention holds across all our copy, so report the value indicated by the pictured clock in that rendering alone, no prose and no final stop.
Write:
6 h 01 min
